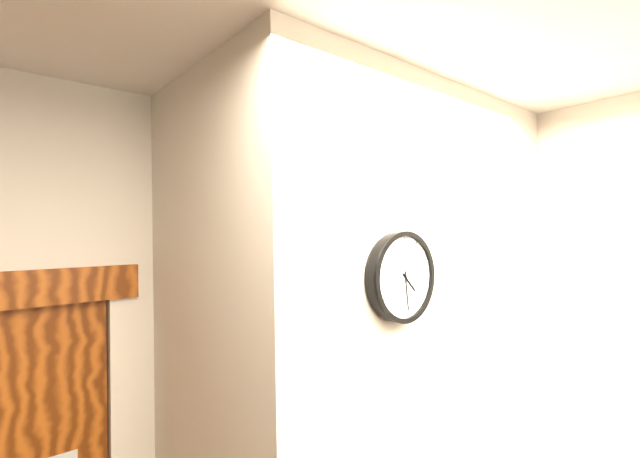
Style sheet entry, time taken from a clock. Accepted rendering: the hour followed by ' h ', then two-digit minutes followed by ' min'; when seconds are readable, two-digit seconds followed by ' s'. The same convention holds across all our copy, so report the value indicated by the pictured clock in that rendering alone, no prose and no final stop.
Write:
4 h 29 min
